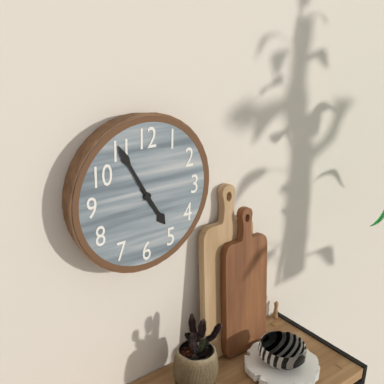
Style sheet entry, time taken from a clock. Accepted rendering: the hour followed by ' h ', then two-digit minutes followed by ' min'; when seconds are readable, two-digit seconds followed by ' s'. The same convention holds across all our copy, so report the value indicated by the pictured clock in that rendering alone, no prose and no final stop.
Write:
4 h 55 min
